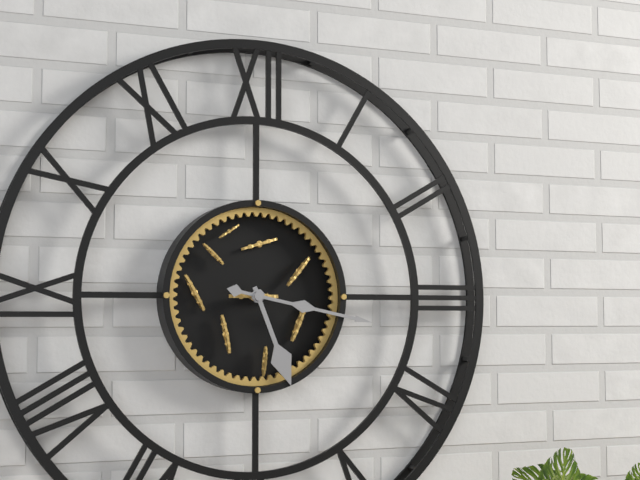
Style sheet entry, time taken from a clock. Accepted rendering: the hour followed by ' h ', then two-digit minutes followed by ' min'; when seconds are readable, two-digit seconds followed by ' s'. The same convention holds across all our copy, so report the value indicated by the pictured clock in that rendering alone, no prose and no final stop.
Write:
5 h 17 min
